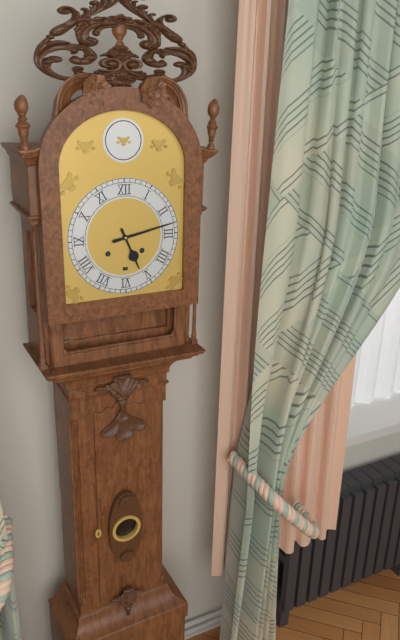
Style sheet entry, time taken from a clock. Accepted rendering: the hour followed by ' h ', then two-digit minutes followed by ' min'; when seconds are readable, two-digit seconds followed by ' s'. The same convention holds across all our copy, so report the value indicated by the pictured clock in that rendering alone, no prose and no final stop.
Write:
5 h 13 min
